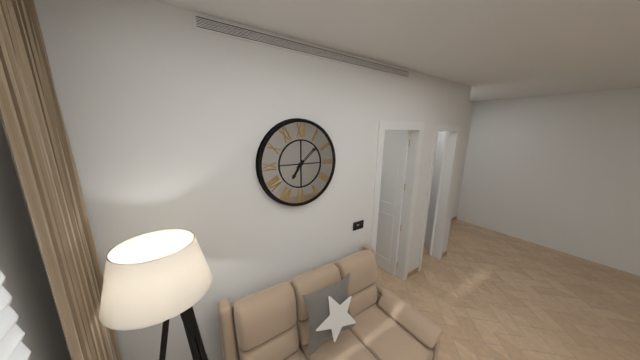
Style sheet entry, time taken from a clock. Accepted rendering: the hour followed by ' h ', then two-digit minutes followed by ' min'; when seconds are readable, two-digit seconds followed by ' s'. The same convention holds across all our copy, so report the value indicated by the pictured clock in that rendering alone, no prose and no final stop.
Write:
7 h 08 min
